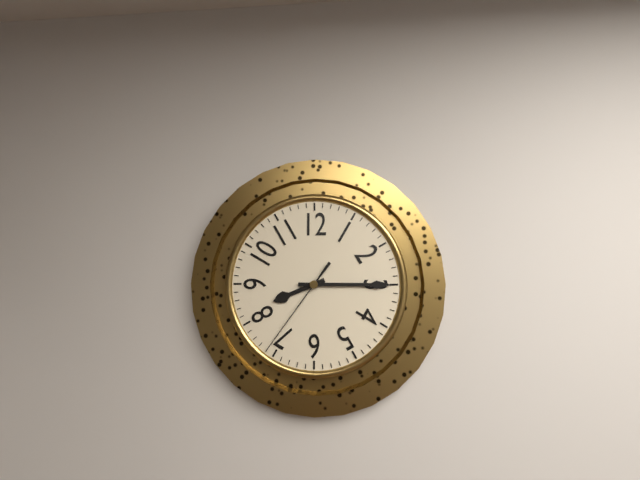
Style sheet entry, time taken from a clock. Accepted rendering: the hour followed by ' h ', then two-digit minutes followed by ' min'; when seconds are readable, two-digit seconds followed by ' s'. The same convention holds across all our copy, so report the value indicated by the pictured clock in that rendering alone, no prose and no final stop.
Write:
8 h 15 min 36 s
